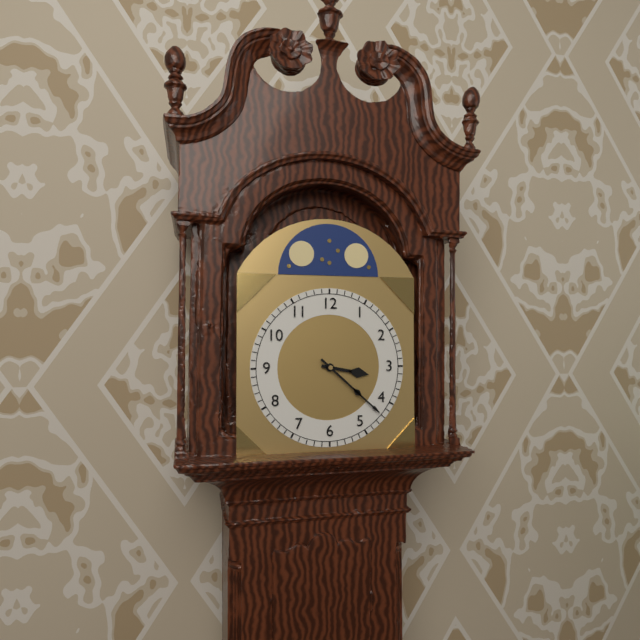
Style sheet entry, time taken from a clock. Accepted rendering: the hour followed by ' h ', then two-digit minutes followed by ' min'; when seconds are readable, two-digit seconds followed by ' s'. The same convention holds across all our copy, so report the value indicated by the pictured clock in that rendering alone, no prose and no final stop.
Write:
3 h 22 min
